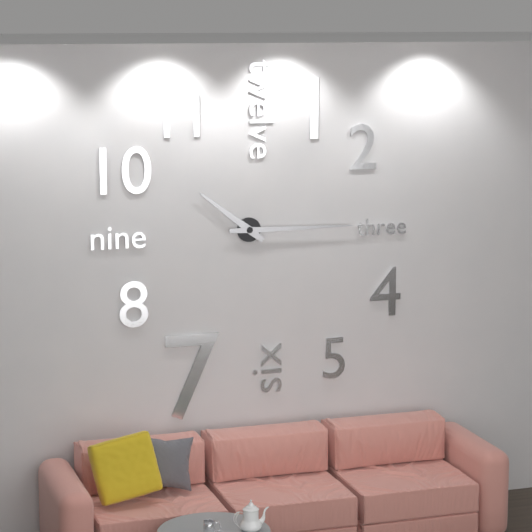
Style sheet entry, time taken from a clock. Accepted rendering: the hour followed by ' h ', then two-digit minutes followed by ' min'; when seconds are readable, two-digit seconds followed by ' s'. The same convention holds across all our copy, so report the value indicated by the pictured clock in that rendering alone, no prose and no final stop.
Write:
10 h 15 min
